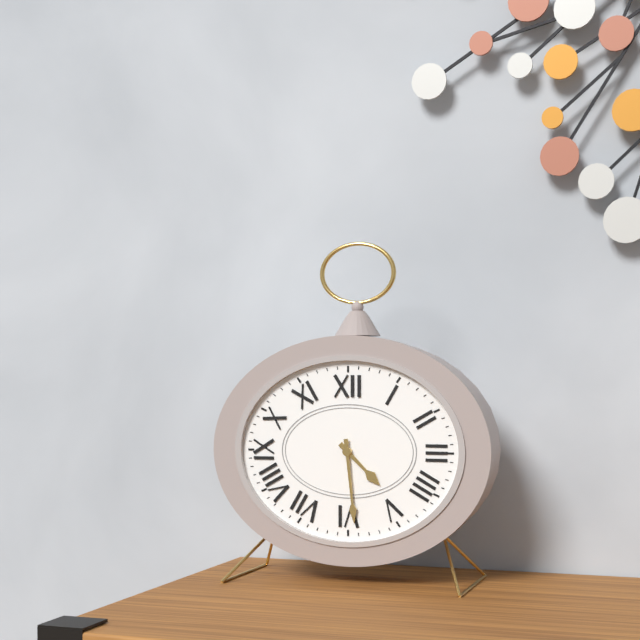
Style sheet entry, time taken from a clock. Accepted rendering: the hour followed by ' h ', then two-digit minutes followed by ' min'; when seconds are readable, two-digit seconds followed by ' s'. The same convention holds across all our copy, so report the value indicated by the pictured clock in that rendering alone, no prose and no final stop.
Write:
4 h 29 min
